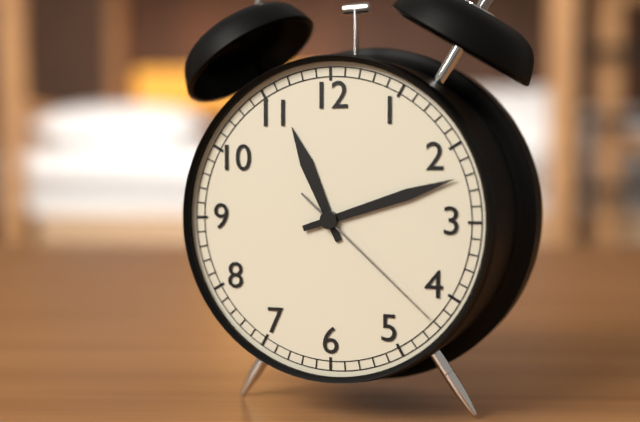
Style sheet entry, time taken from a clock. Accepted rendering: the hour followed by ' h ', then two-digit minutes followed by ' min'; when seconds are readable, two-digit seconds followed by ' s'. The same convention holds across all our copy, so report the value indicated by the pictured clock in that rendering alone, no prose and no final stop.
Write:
11 h 12 min 22 s
